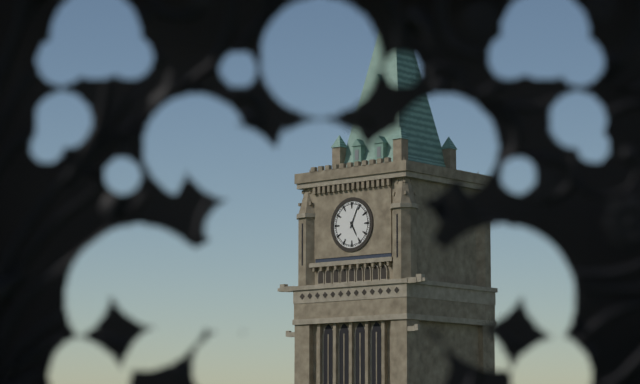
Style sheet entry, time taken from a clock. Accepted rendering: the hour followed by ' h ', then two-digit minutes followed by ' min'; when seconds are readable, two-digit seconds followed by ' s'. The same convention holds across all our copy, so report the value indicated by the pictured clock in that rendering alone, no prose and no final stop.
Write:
5 h 04 min
